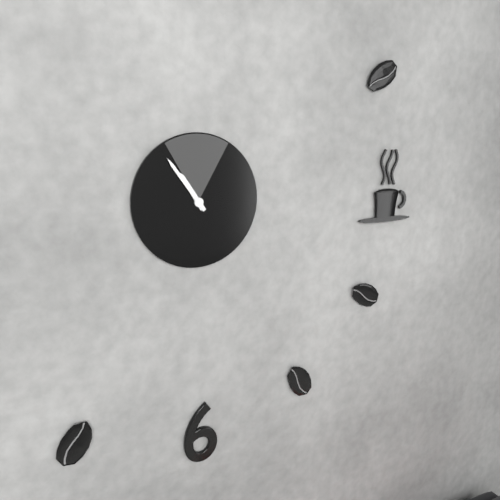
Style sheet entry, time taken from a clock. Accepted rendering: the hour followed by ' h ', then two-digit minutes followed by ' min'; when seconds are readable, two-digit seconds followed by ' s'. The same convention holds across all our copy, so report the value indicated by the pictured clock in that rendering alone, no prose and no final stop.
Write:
10 h 54 min
